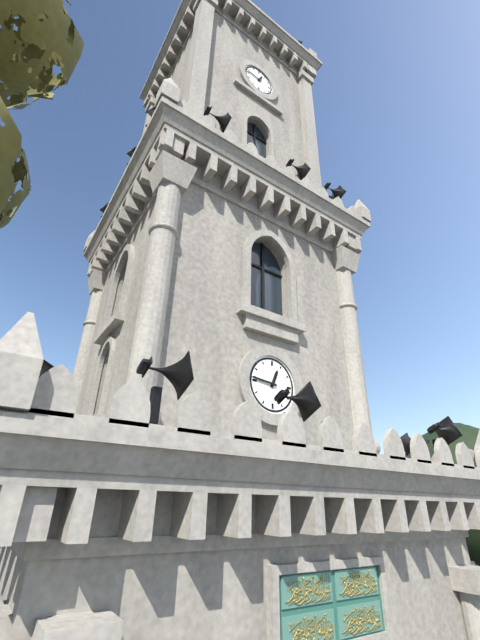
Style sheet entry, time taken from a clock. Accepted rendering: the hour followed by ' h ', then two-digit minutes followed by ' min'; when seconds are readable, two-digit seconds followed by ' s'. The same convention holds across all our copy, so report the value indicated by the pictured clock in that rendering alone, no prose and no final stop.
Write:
12 h 46 min
